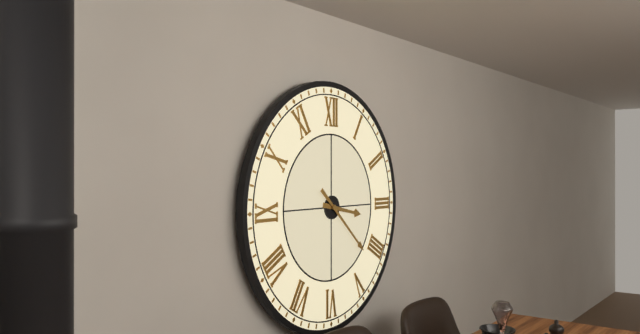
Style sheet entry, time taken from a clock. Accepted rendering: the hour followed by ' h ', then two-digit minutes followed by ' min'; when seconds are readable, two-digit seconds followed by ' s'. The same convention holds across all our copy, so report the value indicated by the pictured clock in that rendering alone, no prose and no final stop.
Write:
3 h 22 min
